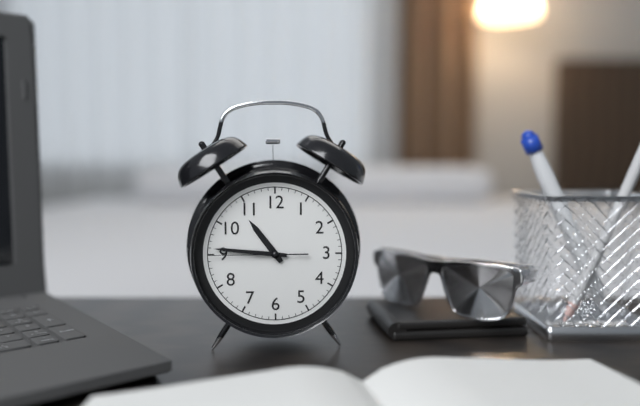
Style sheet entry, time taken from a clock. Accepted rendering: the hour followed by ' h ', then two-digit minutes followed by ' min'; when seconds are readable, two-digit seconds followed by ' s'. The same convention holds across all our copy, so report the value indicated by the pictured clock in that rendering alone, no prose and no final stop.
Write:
10 h 46 min 45 s
